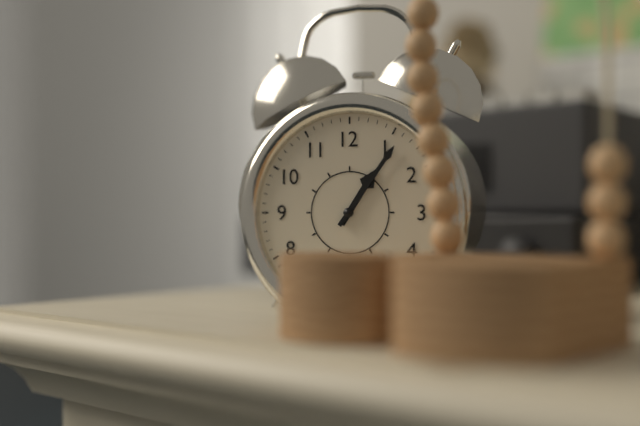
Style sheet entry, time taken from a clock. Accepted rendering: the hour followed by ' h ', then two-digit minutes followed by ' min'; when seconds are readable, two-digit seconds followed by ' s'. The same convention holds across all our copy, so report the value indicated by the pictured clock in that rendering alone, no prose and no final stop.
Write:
1 h 06 min
